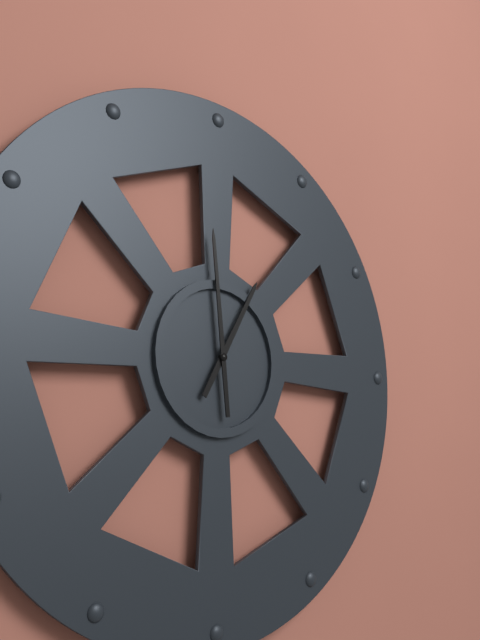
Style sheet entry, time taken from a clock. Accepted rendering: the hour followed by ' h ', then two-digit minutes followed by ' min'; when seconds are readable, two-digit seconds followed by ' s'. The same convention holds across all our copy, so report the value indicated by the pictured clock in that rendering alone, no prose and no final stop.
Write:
12 h 59 min
